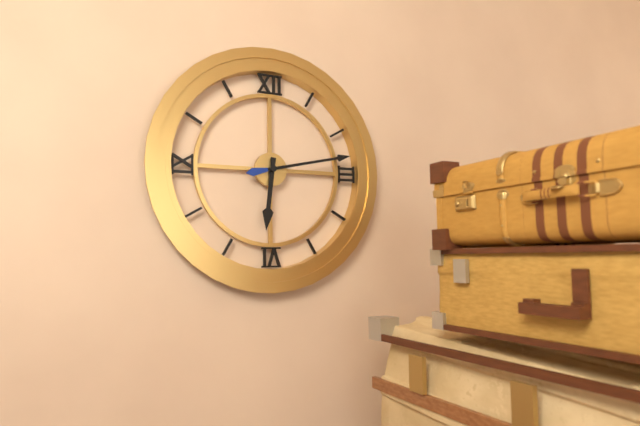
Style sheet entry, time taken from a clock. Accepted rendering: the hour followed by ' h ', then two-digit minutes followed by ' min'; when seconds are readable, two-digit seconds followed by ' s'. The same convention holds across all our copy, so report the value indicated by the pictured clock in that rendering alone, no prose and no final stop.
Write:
6 h 13 min
